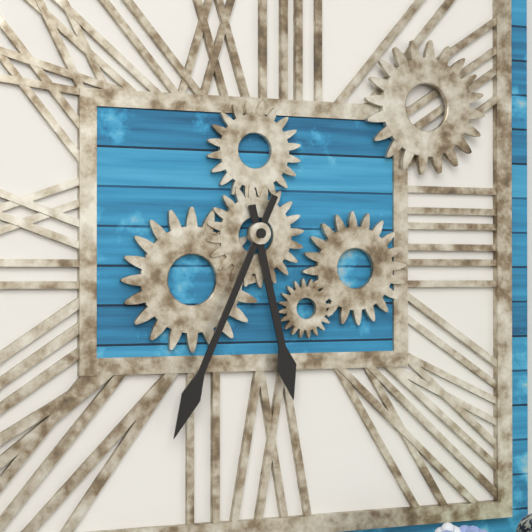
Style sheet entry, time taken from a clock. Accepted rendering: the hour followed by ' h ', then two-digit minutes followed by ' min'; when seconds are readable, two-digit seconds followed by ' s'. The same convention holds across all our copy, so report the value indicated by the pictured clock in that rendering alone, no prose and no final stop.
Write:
5 h 34 min
